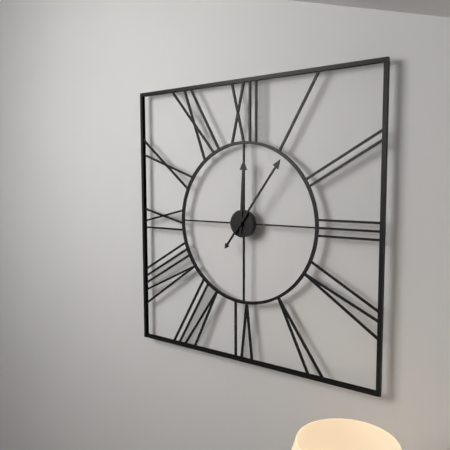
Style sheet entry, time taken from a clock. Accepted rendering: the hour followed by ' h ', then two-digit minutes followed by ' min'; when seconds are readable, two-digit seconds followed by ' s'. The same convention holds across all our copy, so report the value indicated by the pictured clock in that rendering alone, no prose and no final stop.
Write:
12 h 06 min
